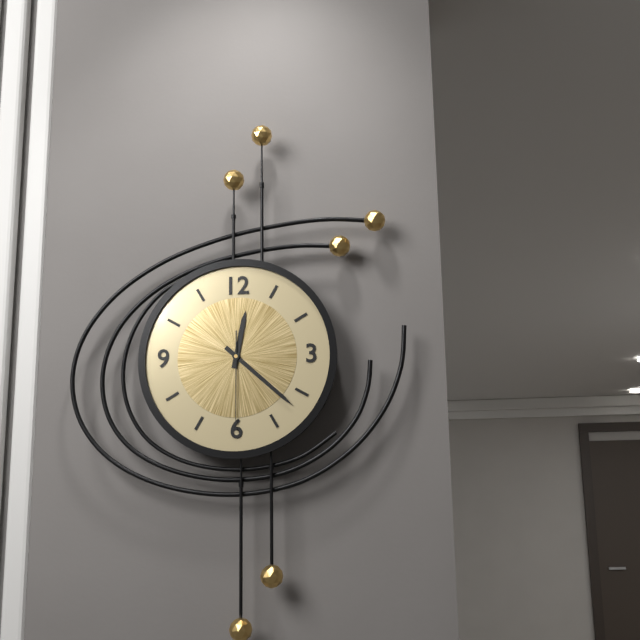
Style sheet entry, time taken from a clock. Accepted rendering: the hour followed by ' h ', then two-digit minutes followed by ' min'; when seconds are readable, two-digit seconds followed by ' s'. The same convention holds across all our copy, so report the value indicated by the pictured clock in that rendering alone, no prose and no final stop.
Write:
12 h 22 min 30 s
